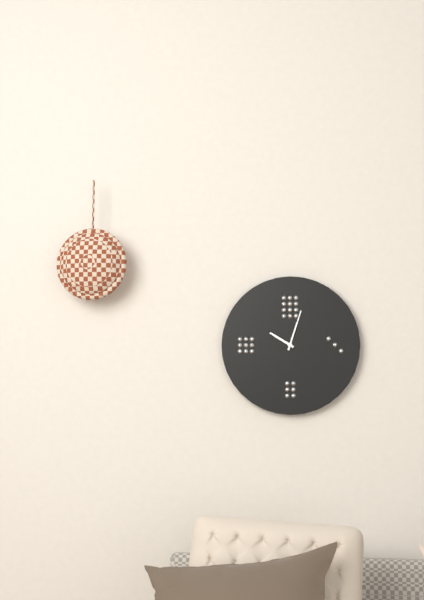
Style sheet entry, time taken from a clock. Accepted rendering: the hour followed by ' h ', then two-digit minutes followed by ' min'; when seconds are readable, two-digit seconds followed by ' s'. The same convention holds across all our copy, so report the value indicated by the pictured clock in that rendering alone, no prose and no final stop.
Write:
10 h 03 min
